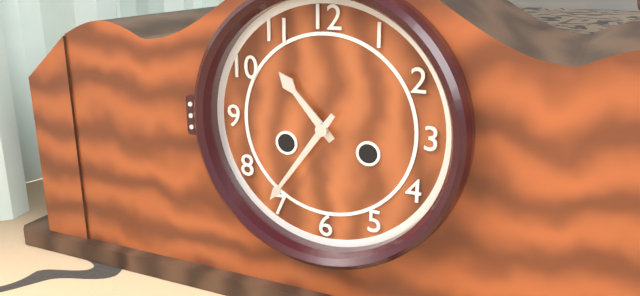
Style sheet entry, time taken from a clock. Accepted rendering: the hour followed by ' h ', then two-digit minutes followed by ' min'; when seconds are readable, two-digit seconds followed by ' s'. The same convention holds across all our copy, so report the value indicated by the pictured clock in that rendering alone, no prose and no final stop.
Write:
10 h 36 min
